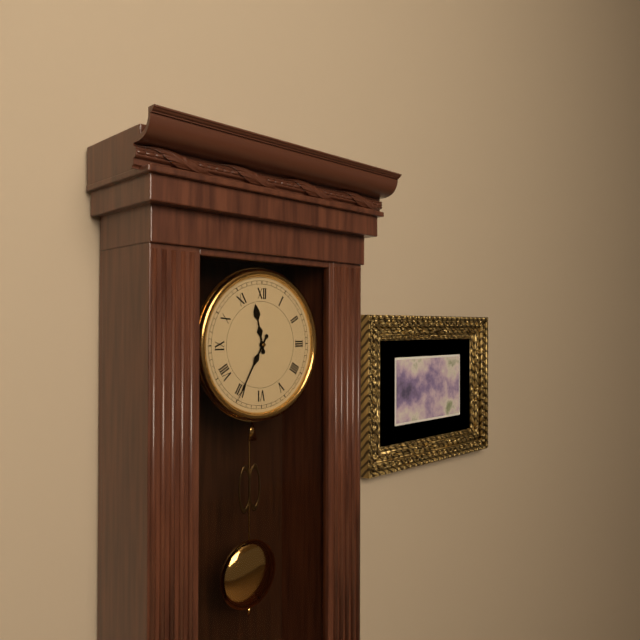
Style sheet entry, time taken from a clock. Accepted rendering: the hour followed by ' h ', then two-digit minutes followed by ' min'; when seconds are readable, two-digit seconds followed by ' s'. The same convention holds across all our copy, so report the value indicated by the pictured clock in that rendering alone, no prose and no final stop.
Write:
11 h 35 min
